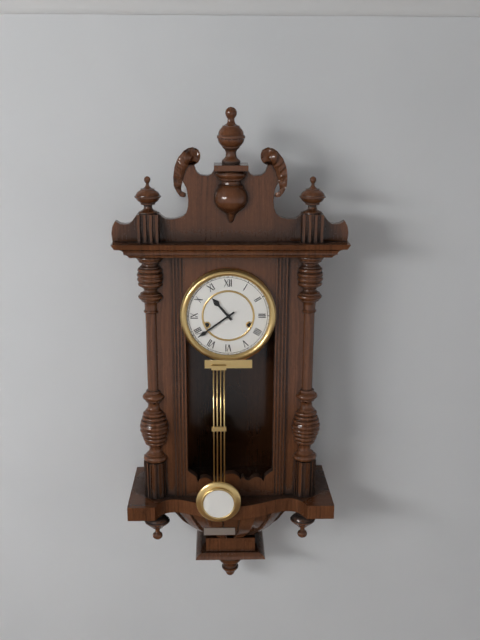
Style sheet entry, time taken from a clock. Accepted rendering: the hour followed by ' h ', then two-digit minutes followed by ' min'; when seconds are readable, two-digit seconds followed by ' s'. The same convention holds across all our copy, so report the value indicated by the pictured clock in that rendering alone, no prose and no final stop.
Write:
10 h 39 min
